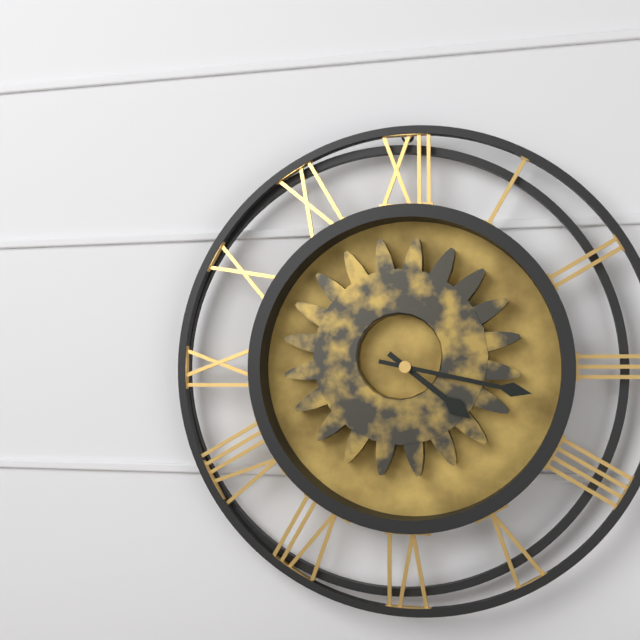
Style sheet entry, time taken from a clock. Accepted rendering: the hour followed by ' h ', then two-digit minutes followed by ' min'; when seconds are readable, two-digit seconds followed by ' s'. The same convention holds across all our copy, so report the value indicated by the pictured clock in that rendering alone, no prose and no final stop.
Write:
4 h 17 min
